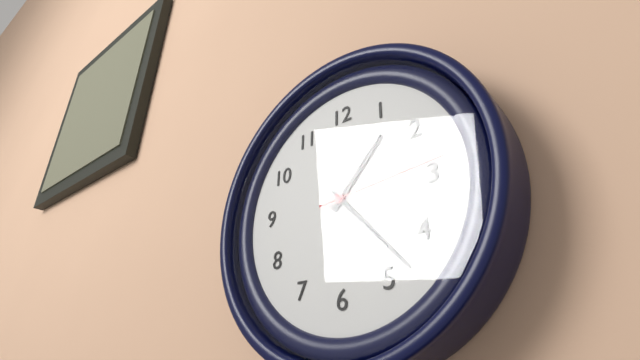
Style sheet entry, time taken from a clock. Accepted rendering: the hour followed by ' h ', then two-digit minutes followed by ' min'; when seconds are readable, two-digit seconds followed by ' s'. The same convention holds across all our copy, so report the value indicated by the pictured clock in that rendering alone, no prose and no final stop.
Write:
1 h 23 min 14 s
